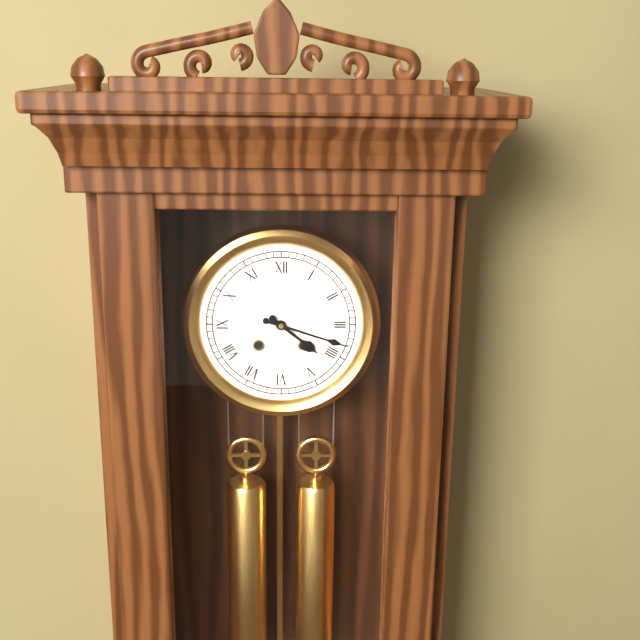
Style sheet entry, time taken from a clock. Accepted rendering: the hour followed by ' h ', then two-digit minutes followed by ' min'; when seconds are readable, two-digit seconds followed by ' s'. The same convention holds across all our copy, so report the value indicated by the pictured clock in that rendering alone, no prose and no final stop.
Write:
4 h 18 min
